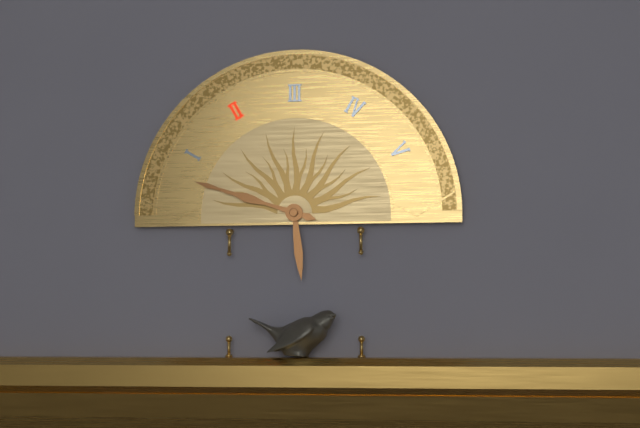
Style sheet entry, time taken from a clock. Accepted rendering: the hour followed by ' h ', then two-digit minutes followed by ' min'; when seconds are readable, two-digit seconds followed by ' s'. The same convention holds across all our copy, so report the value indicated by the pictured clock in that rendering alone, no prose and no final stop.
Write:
5 h 48 min
